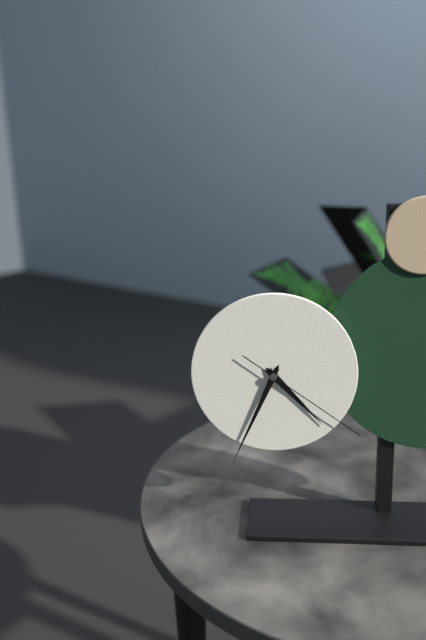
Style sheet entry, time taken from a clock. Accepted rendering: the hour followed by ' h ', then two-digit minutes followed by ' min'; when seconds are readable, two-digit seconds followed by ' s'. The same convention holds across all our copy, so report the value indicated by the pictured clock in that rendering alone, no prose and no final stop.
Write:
4 h 34 min 21 s
